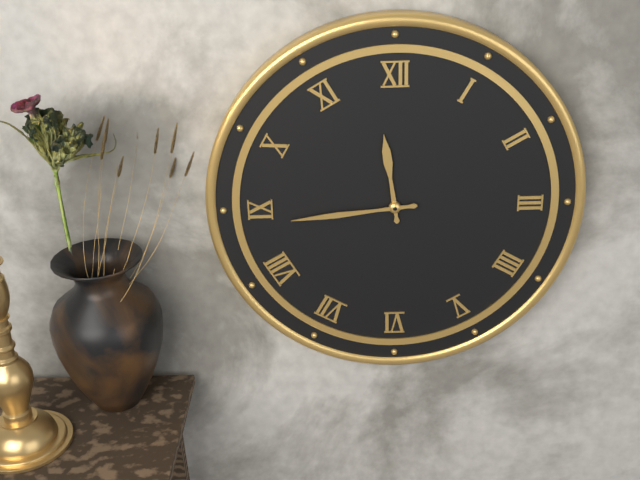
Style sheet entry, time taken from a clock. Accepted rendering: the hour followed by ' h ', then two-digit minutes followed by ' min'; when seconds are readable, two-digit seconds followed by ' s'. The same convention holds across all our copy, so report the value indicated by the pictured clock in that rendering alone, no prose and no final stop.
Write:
11 h 44 min
